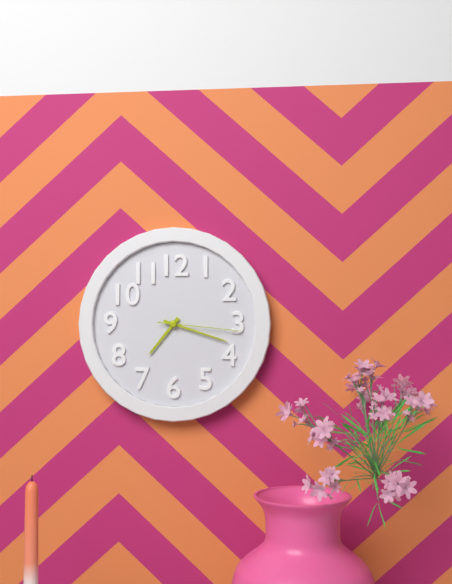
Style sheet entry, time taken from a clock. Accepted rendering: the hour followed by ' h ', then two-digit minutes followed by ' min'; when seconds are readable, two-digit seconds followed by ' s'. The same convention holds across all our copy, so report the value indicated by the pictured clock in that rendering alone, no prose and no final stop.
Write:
7 h 18 min 16 s
